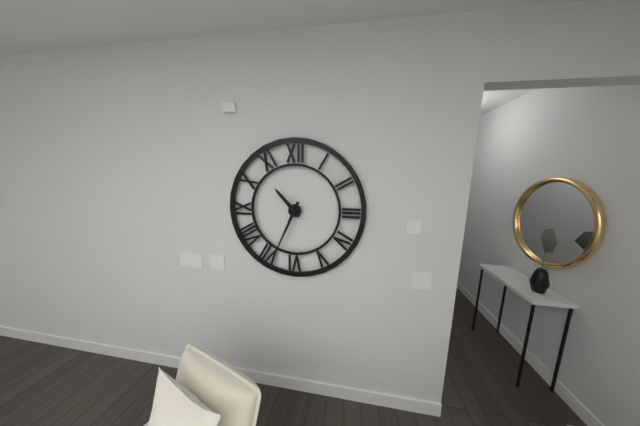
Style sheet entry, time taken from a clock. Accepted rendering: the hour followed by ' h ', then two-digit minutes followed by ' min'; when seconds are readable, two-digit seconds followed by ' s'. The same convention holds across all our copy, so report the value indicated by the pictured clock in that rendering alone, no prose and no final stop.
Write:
10 h 34 min
